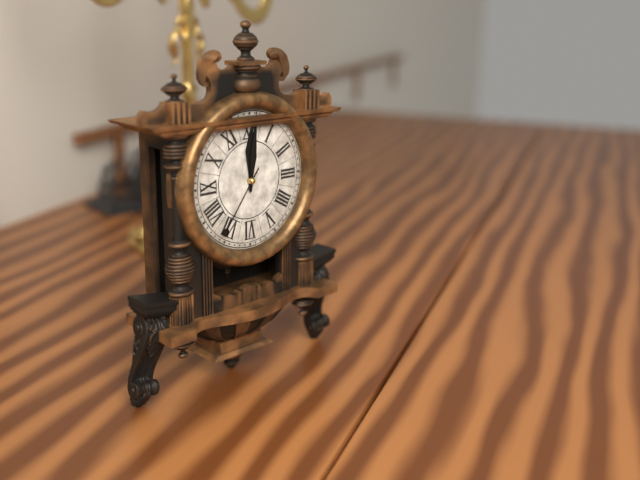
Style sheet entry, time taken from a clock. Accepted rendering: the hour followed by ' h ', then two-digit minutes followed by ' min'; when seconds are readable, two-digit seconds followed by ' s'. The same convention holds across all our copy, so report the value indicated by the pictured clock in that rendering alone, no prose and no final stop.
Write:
12 h 01 min 36 s
